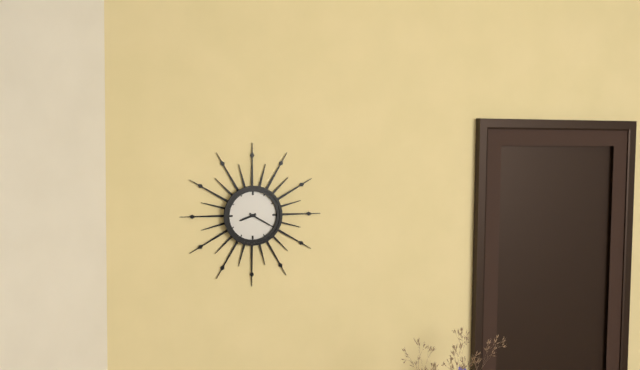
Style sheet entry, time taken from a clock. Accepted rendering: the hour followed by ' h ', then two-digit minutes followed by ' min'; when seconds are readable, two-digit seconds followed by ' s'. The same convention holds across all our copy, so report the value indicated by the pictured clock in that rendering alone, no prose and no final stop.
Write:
8 h 20 min
